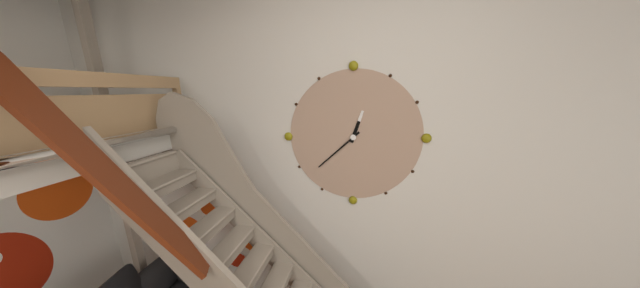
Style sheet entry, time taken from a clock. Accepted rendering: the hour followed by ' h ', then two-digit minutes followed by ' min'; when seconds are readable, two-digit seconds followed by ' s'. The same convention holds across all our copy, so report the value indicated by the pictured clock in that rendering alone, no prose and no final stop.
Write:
12 h 38 min
